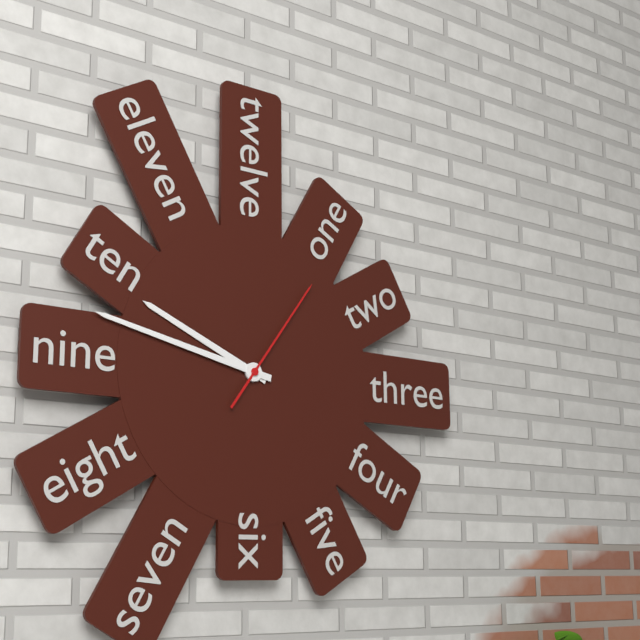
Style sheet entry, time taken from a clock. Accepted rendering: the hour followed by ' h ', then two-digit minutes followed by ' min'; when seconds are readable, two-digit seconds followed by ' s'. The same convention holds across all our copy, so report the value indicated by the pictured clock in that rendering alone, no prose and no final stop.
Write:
9 h 47 min 06 s
